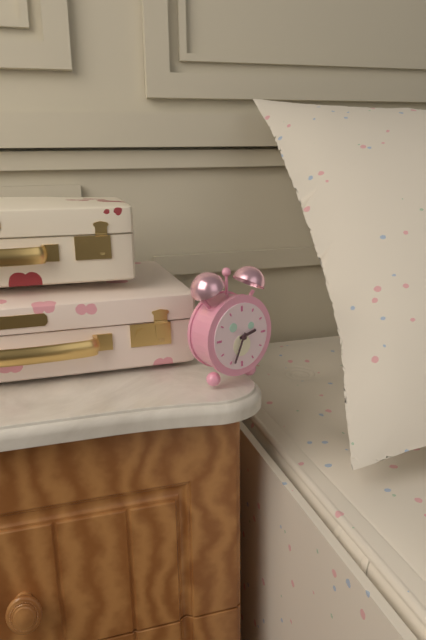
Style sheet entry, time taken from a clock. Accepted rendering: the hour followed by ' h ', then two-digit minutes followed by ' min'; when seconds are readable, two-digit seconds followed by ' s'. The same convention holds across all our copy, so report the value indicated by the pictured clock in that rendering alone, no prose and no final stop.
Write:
2 h 34 min
